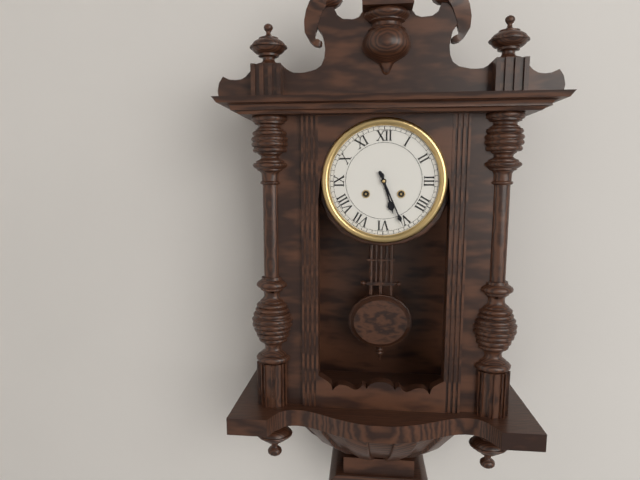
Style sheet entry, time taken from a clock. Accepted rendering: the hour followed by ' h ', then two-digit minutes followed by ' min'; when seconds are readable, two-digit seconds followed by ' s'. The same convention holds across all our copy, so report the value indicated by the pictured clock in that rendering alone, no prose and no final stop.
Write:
5 h 26 min
